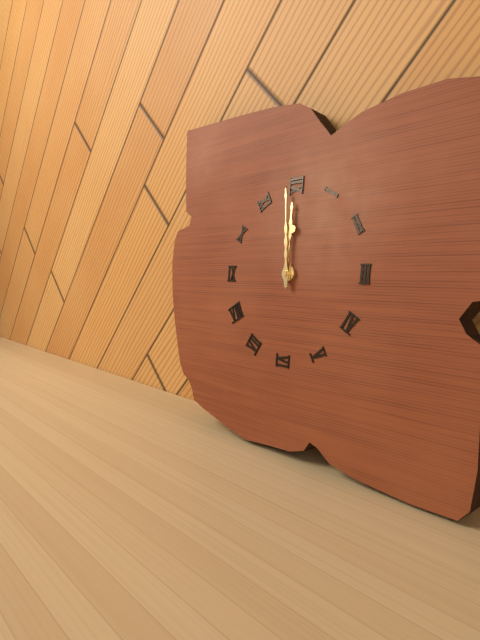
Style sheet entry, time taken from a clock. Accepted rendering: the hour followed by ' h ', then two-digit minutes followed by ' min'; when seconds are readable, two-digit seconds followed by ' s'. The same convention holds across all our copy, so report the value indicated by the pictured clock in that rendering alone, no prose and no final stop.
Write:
11 h 59 min
